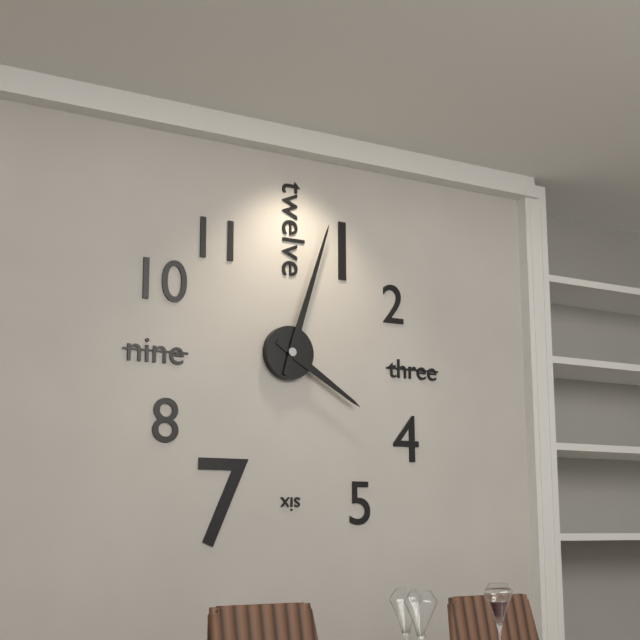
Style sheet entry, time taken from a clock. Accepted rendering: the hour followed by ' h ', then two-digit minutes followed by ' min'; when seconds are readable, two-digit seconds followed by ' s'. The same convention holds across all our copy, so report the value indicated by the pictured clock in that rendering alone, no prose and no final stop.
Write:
4 h 03 min
